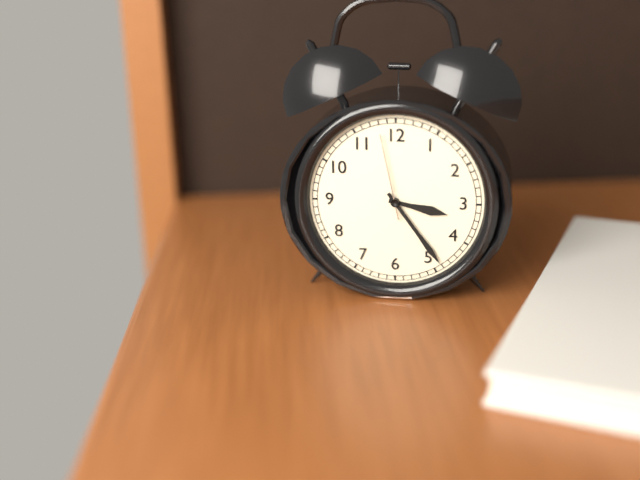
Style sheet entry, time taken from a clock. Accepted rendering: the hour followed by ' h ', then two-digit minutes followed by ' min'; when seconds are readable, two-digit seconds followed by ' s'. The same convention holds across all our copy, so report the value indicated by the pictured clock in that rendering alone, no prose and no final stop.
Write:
3 h 24 min 58 s
